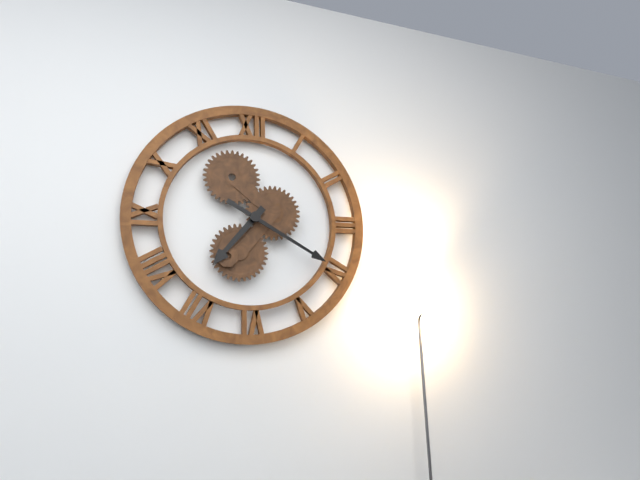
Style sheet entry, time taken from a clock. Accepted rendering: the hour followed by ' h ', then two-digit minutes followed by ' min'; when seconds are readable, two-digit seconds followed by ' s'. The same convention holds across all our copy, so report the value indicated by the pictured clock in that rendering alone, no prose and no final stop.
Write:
7 h 20 min
